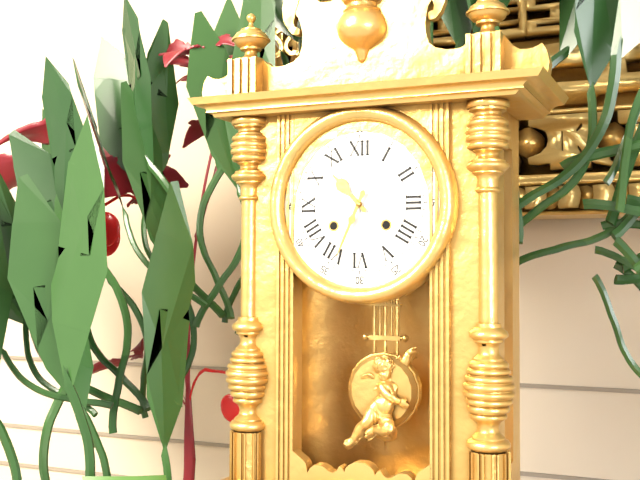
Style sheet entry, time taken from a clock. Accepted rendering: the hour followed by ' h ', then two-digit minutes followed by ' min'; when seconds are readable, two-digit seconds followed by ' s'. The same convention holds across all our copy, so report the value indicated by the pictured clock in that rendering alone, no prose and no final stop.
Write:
10 h 34 min
